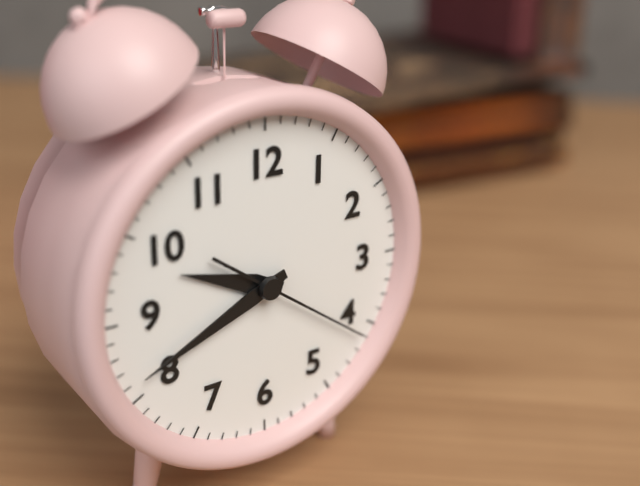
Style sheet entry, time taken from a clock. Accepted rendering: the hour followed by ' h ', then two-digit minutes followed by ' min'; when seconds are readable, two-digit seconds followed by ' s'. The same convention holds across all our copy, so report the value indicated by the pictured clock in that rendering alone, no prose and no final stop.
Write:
9 h 41 min 21 s
